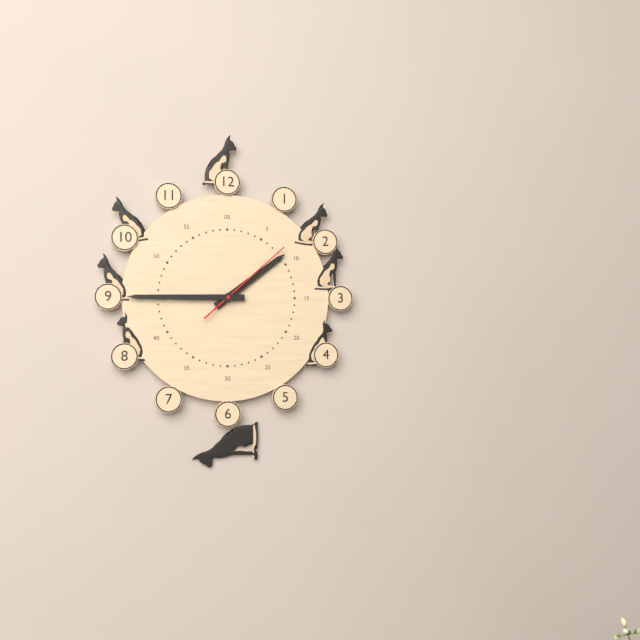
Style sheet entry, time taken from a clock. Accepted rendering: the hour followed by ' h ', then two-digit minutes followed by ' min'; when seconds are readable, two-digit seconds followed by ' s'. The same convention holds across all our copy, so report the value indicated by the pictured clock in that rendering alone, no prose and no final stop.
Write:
1 h 45 min 08 s
